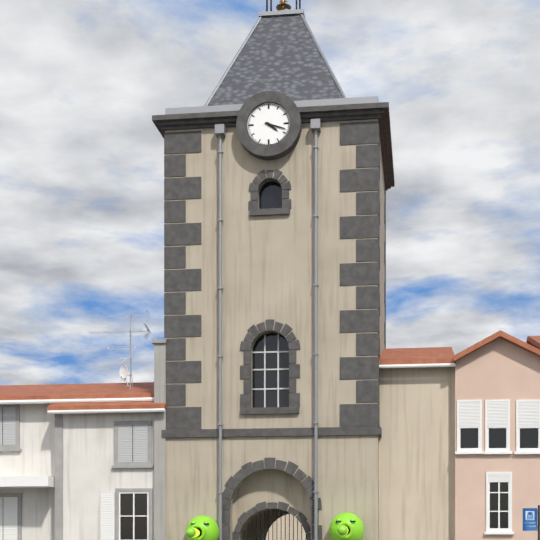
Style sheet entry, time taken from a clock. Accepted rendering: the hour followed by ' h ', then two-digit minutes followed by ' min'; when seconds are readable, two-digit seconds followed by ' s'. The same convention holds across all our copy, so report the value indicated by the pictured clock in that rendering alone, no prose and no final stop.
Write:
4 h 18 min
